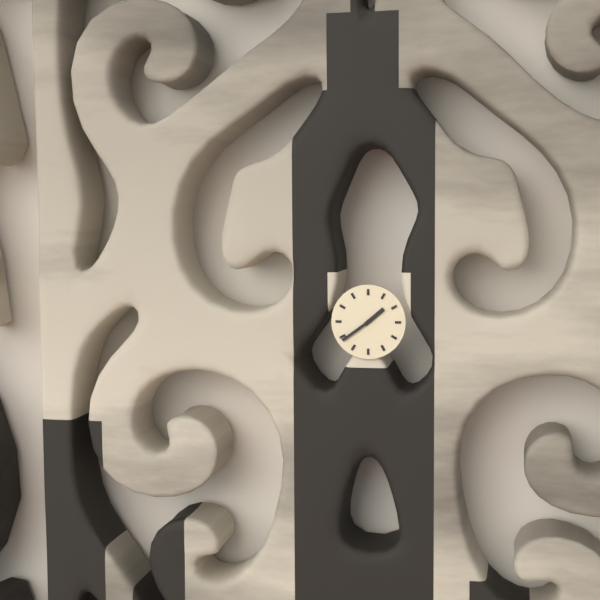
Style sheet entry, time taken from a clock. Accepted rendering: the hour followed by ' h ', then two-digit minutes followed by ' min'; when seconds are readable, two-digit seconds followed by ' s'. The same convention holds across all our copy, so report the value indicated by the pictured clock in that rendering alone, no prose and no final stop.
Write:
1 h 39 min
